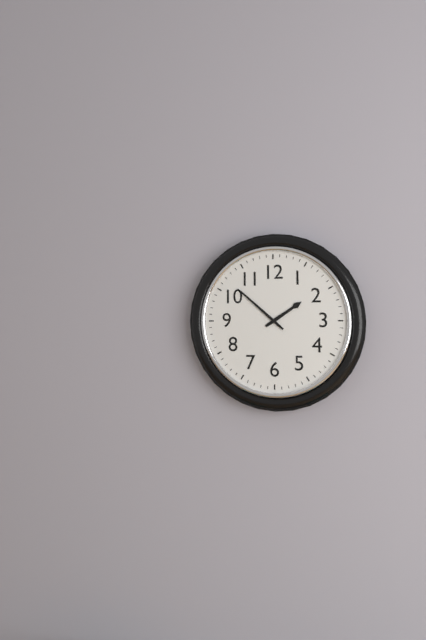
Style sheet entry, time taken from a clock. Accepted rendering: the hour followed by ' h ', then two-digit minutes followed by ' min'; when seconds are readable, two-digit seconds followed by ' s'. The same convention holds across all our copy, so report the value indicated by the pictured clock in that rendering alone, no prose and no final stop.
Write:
1 h 52 min
